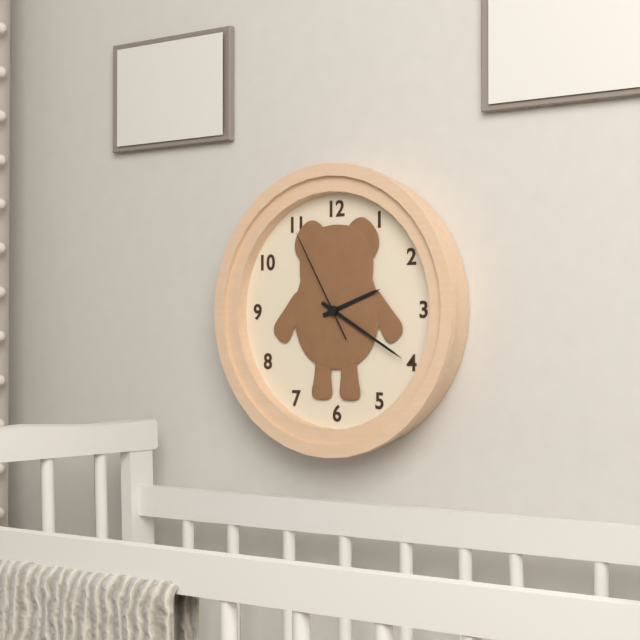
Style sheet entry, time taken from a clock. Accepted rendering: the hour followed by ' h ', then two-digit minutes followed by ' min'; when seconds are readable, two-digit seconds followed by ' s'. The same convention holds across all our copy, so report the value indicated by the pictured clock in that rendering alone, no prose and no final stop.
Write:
2 h 20 min 55 s
